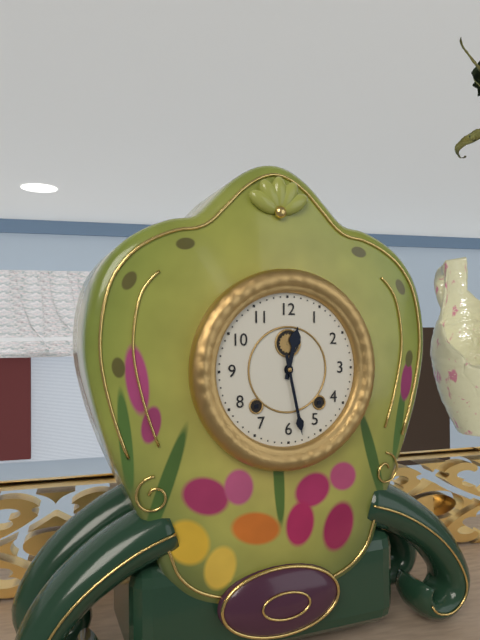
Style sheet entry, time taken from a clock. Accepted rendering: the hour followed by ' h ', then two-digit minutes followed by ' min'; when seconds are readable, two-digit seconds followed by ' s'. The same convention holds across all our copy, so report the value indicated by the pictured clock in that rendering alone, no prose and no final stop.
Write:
12 h 28 min
